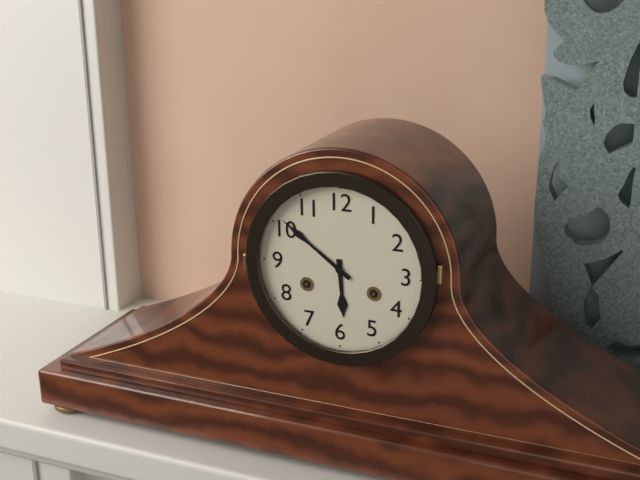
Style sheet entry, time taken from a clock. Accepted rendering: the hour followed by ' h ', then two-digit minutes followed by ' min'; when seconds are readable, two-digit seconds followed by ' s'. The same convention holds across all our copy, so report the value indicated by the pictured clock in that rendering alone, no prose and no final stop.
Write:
5 h 51 min
